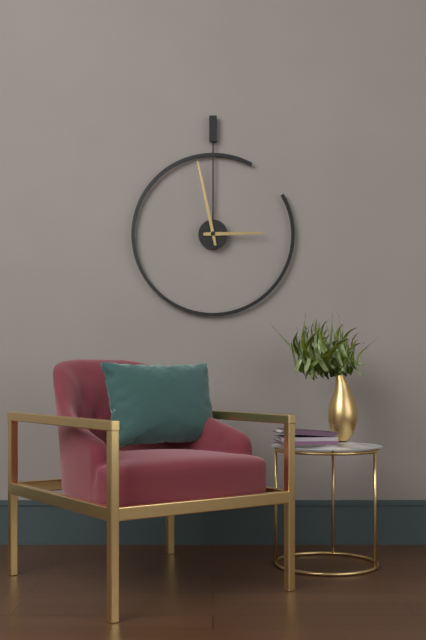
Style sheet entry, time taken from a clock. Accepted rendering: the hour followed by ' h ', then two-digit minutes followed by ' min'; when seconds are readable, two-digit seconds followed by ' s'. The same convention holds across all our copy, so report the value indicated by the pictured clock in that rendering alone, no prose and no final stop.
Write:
2 h 58 min
